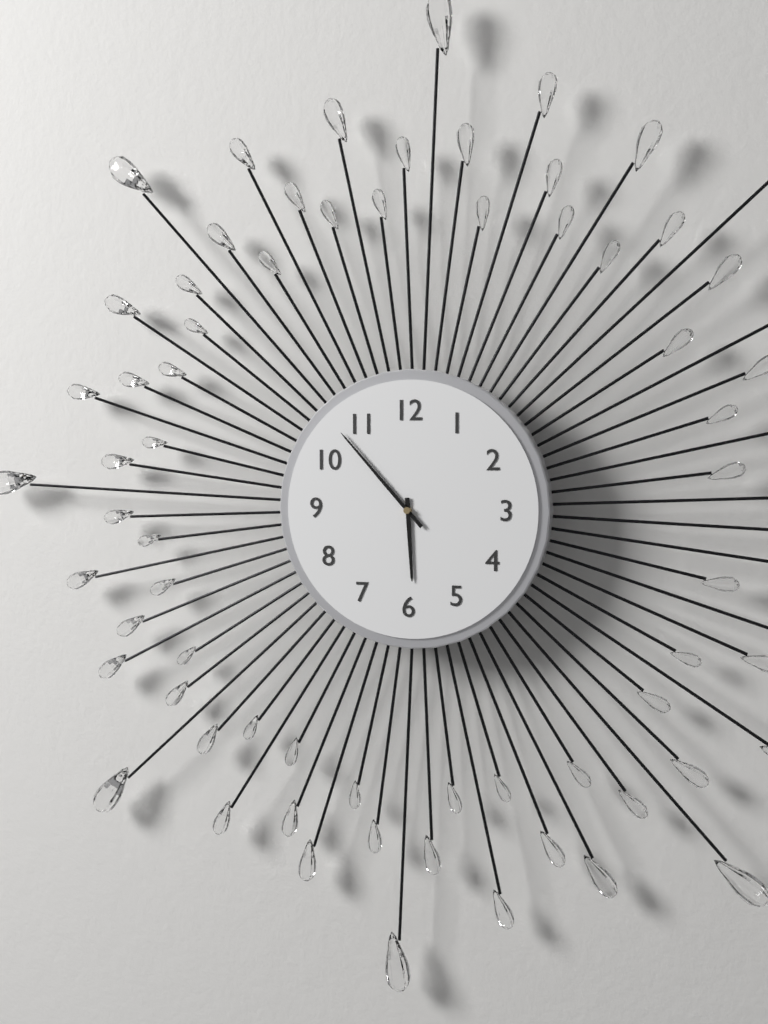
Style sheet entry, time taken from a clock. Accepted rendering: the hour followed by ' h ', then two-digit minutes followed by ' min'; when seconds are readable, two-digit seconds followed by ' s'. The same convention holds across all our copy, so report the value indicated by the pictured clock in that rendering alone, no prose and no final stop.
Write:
5 h 53 min
